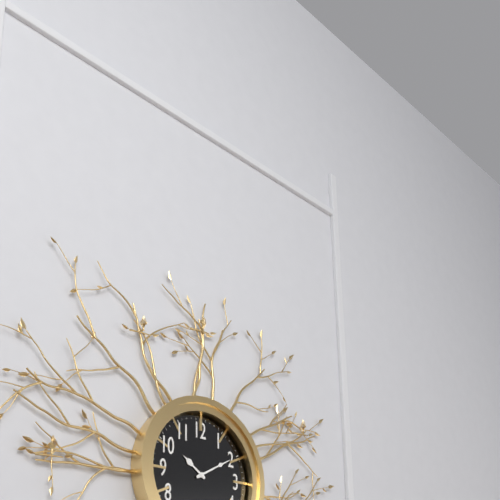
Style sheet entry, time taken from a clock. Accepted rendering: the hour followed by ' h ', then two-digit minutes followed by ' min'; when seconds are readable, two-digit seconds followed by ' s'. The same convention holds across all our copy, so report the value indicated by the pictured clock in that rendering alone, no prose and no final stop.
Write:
10 h 10 min
